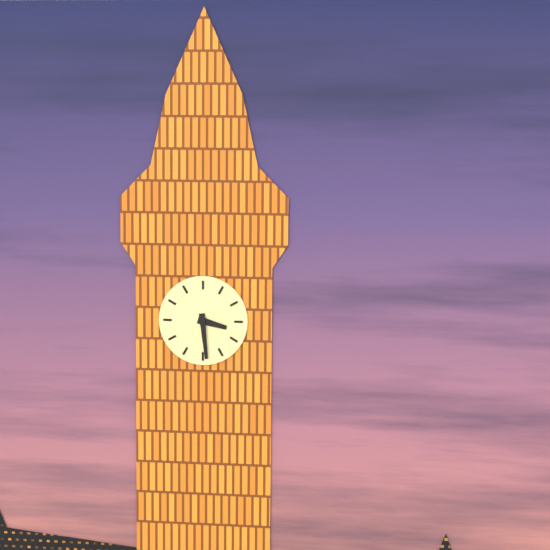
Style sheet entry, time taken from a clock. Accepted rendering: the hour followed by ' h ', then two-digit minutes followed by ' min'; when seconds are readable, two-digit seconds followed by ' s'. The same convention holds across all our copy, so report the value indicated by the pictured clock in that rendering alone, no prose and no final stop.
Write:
3 h 29 min
